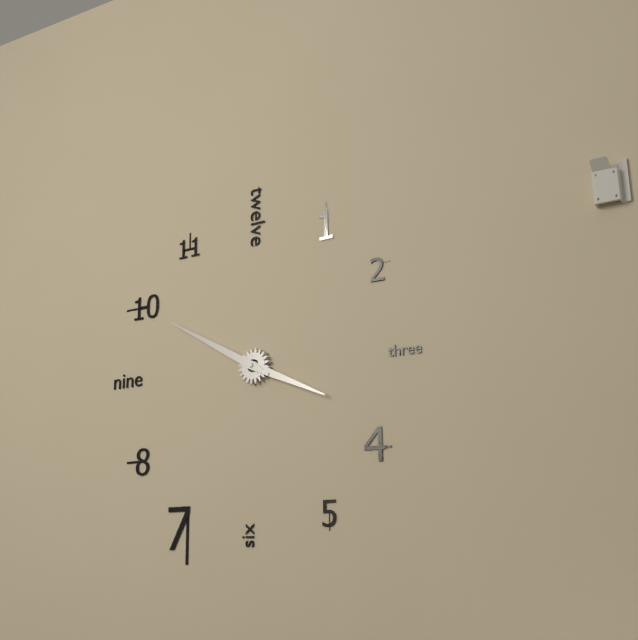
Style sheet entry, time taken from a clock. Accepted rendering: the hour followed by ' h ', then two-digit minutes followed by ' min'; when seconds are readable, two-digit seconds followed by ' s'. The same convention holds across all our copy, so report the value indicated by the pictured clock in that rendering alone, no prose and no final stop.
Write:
3 h 50 min
